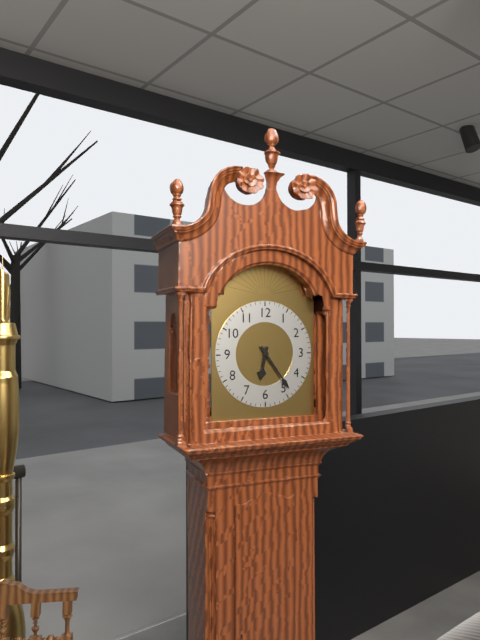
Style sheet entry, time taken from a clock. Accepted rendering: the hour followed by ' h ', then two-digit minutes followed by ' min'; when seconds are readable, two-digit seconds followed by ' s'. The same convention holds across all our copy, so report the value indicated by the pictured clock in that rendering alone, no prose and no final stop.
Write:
6 h 24 min
